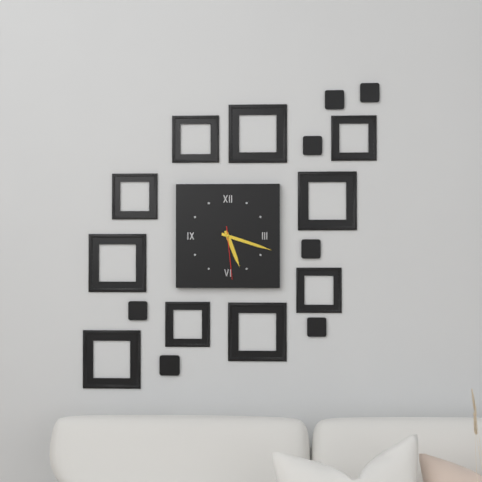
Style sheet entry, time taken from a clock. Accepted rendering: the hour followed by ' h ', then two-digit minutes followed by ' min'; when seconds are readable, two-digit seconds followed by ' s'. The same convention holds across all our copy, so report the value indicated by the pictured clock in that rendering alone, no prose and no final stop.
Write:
5 h 18 min 29 s
